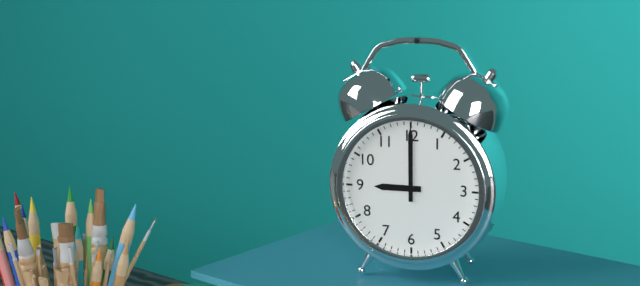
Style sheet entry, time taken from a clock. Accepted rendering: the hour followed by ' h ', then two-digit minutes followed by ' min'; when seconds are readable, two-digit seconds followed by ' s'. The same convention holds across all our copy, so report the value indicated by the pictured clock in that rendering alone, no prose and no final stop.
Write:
9 h 00 min
